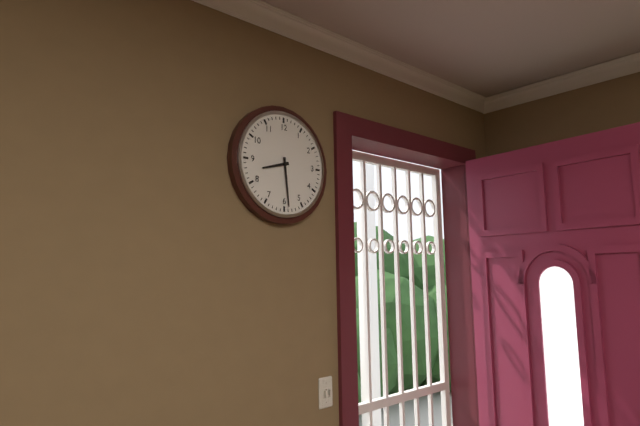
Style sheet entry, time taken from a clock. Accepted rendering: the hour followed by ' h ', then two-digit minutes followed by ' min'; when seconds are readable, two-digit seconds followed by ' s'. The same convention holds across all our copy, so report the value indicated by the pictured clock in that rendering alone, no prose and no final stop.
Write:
8 h 29 min
